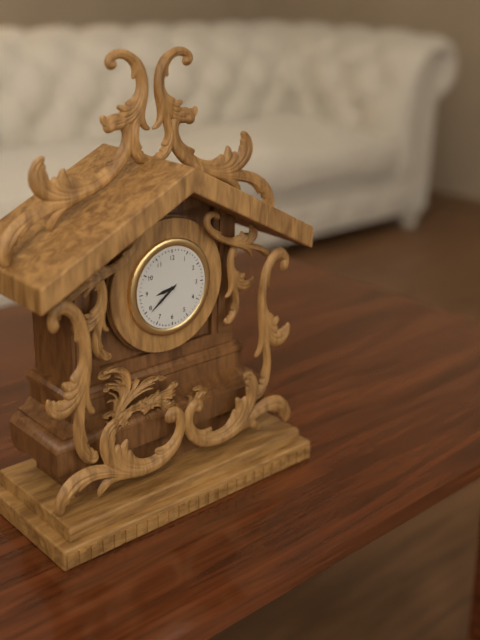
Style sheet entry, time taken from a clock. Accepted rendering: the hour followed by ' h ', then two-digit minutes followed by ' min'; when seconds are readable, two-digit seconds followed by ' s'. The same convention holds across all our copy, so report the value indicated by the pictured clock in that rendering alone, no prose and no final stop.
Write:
8 h 39 min
